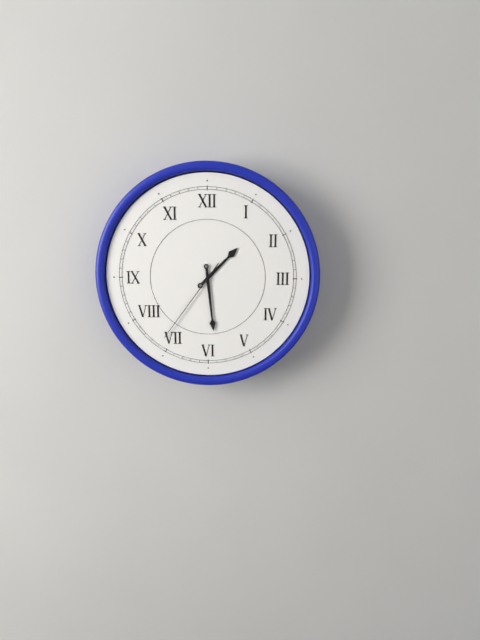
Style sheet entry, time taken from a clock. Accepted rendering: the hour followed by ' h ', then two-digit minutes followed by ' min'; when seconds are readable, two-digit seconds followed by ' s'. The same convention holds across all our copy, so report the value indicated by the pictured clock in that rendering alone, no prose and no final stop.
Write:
1 h 29 min 36 s
